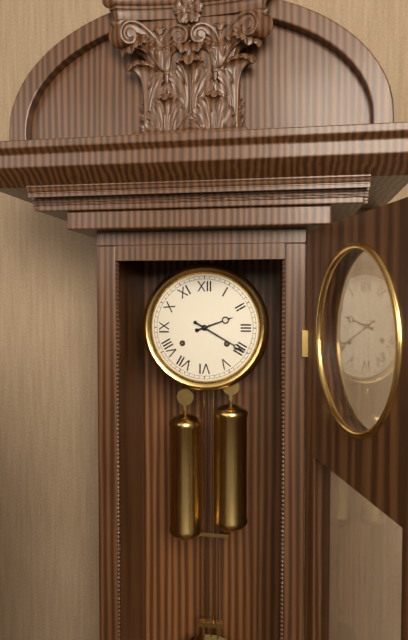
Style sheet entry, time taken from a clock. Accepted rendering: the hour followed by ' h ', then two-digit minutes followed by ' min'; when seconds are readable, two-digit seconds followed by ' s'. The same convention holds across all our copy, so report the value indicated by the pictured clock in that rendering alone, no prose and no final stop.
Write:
2 h 20 min
